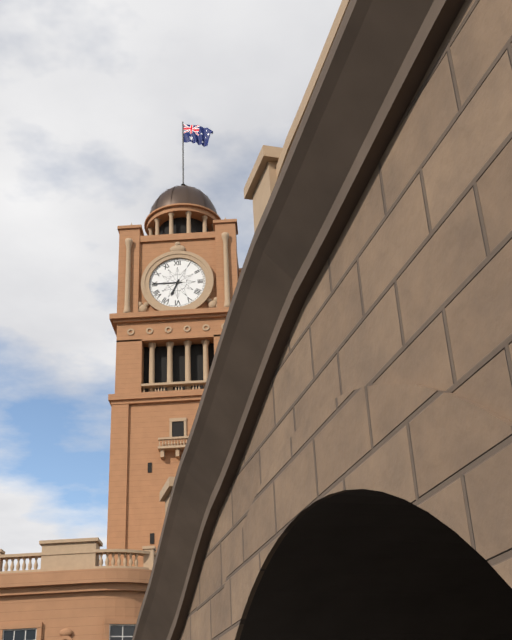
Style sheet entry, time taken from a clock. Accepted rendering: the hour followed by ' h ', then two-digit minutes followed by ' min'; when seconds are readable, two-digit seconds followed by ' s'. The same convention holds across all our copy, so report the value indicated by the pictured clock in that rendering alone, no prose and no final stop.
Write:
6 h 45 min
